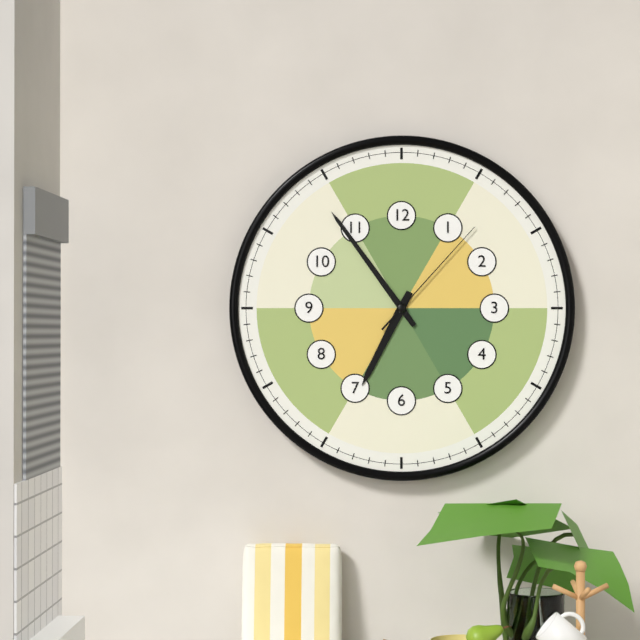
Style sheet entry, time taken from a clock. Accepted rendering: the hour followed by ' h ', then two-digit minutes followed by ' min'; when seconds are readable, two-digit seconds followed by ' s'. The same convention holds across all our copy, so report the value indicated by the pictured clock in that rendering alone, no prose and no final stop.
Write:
6 h 54 min 07 s
